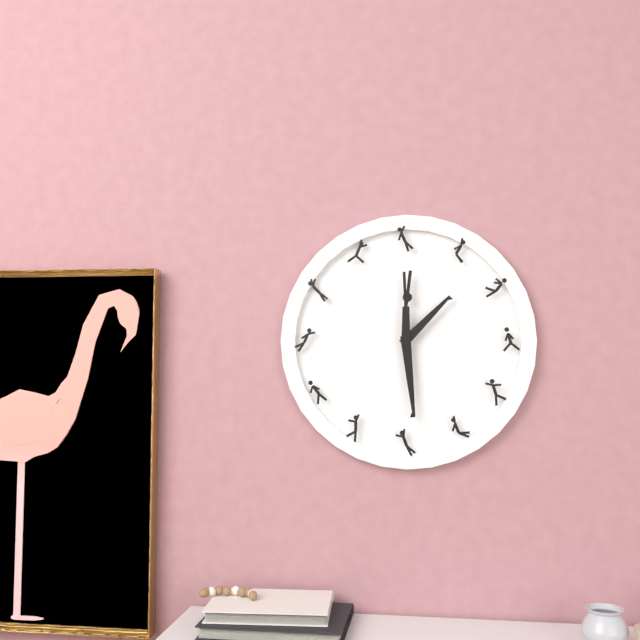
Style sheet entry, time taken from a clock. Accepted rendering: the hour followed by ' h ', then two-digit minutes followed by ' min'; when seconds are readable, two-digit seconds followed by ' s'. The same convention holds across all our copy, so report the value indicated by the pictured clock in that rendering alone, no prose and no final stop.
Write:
1 h 29 min
